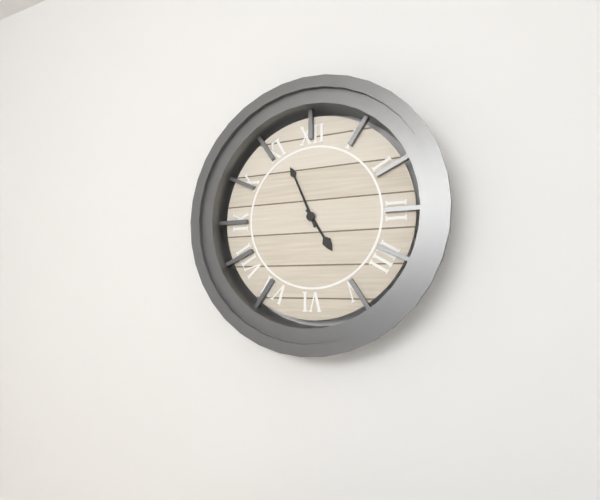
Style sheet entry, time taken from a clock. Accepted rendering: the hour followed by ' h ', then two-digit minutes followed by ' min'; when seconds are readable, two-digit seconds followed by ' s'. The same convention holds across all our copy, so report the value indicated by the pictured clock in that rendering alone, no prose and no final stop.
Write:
4 h 56 min
